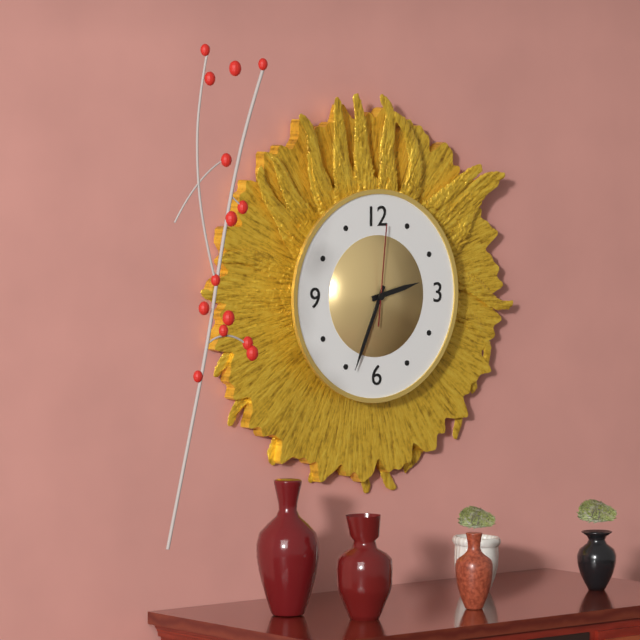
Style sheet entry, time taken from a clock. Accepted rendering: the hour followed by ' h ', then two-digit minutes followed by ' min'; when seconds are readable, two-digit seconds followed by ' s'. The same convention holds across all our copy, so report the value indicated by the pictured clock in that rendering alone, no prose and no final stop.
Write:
2 h 34 min 01 s
